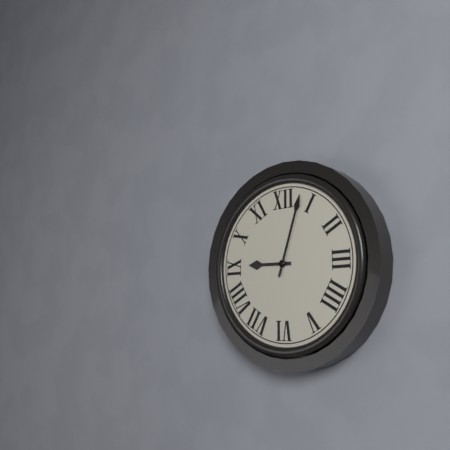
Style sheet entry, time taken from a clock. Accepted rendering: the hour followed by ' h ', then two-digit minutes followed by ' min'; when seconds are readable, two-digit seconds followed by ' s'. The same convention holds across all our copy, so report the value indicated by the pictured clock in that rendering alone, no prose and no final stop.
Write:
9 h 03 min
